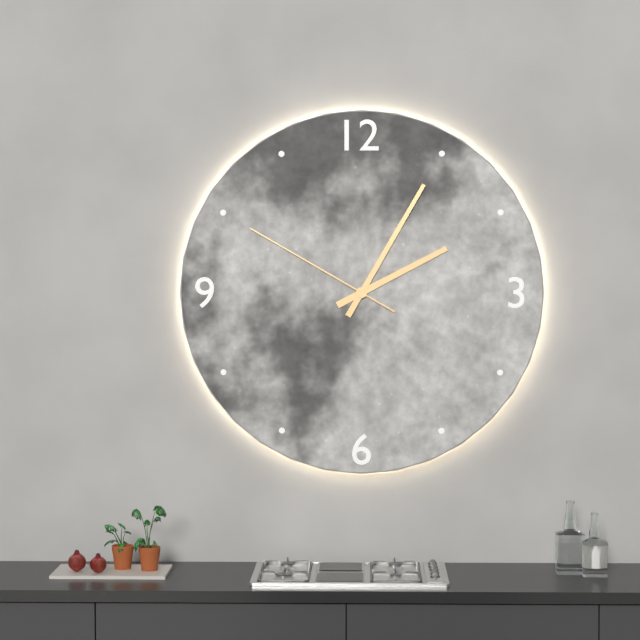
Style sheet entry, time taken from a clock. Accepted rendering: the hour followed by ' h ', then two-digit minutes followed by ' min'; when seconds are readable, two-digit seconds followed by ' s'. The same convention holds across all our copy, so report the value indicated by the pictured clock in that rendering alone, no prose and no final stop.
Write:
2 h 05 min 50 s
